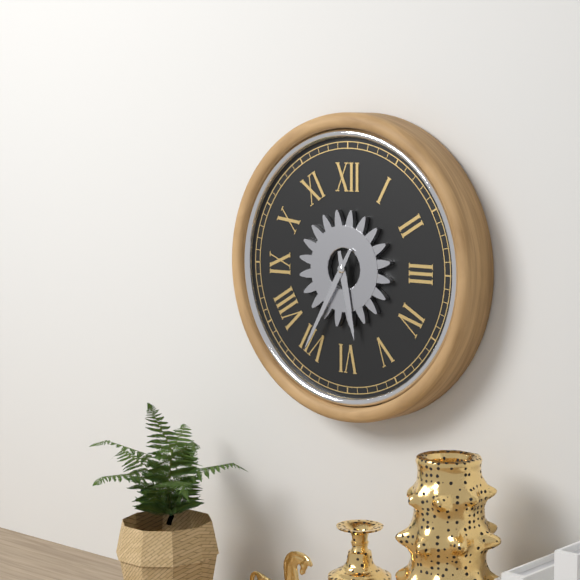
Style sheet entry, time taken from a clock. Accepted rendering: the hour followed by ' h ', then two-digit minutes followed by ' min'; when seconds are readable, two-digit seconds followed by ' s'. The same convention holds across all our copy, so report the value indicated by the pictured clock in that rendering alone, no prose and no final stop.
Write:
5 h 35 min
